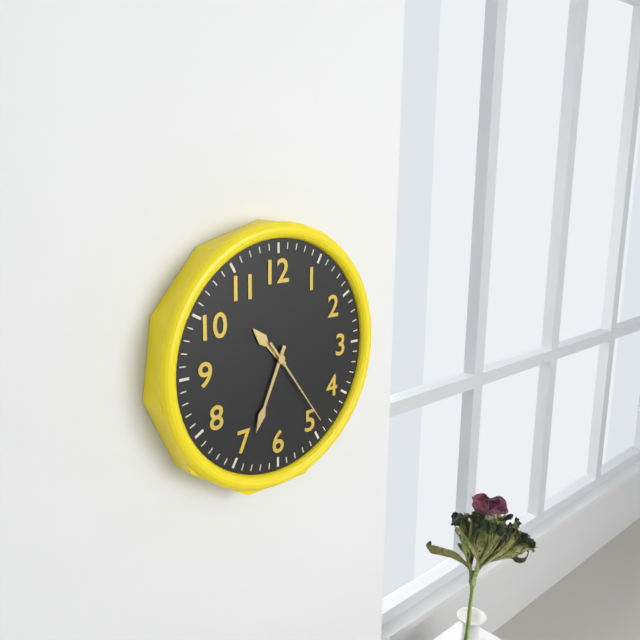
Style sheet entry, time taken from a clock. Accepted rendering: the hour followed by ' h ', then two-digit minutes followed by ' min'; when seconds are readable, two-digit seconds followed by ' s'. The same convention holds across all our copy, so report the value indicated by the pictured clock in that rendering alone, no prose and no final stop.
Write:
10 h 34 min 24 s
